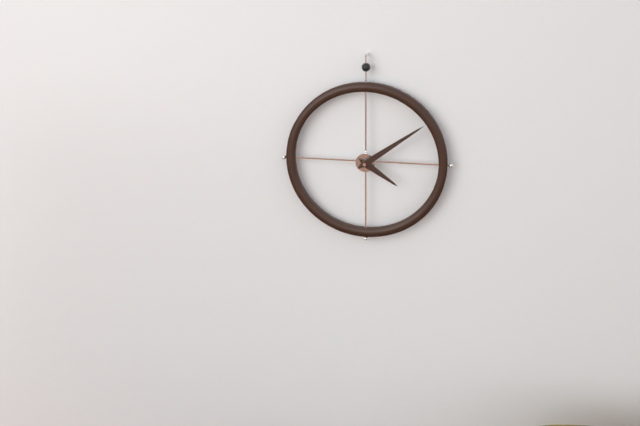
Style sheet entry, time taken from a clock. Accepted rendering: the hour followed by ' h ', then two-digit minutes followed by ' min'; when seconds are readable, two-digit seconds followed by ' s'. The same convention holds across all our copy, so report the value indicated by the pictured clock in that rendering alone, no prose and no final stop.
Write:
4 h 09 min
